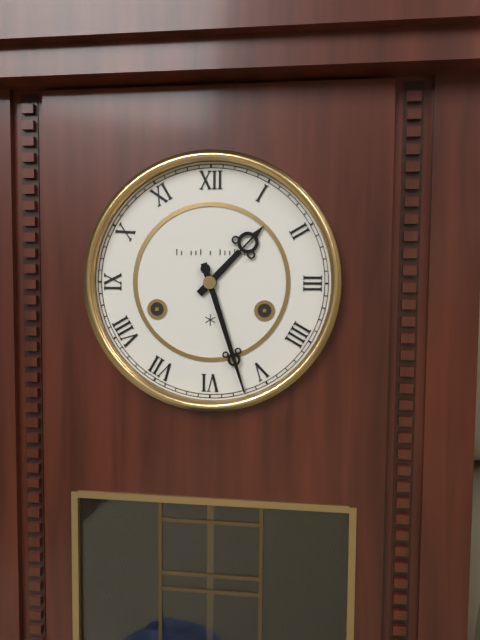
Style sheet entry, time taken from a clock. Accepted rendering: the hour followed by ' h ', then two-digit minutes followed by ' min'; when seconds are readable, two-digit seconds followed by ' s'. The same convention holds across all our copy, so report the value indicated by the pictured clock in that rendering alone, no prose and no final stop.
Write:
1 h 27 min
